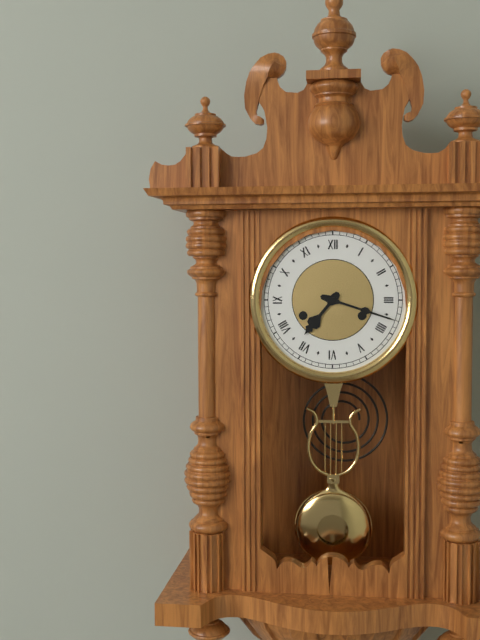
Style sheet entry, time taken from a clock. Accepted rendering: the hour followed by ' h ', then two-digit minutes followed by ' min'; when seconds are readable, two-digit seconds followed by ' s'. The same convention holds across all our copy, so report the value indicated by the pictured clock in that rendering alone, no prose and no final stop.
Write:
7 h 18 min
